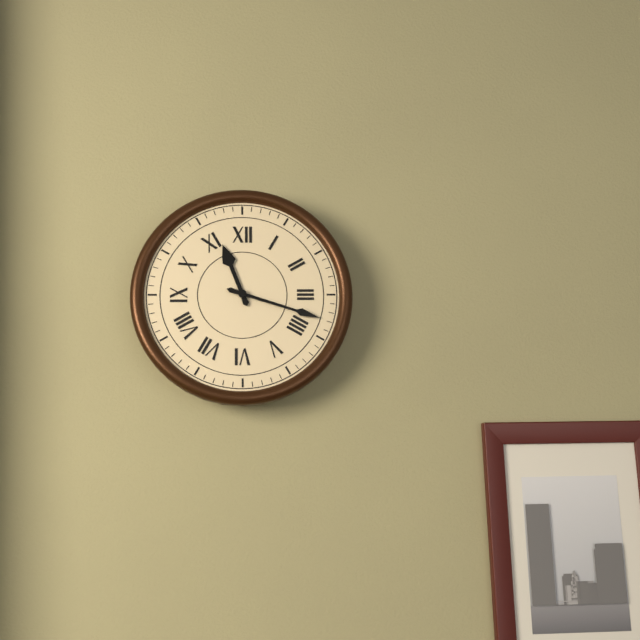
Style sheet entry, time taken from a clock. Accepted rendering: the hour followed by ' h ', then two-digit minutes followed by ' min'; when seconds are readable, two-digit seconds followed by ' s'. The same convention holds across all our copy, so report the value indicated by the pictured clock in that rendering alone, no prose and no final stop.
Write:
11 h 18 min
